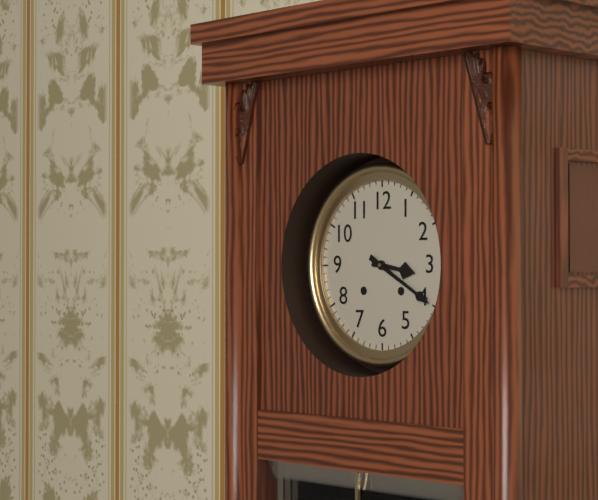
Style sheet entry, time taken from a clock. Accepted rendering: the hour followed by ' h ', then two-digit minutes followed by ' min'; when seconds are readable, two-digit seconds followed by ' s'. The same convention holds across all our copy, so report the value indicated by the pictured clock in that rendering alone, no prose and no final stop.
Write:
3 h 20 min
